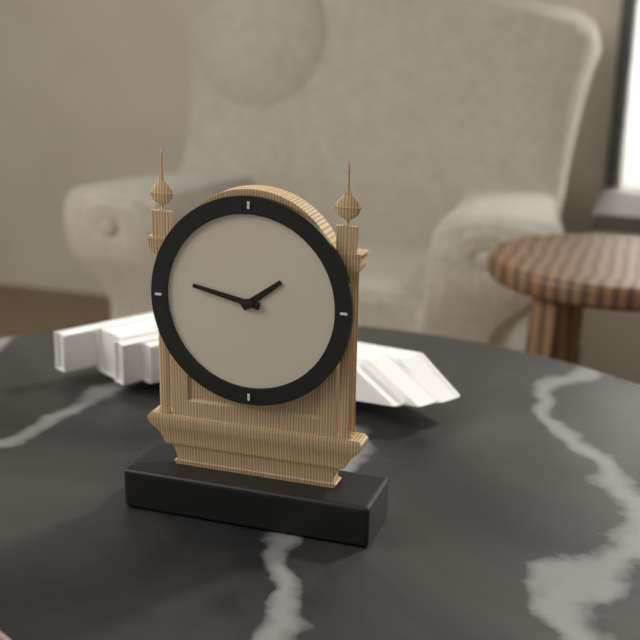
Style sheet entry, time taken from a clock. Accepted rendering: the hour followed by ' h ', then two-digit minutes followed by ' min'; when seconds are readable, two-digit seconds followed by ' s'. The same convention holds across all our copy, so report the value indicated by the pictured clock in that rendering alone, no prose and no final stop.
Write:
1 h 47 min
